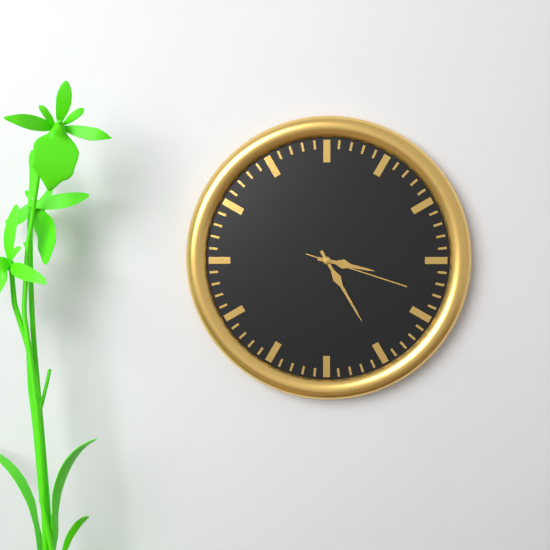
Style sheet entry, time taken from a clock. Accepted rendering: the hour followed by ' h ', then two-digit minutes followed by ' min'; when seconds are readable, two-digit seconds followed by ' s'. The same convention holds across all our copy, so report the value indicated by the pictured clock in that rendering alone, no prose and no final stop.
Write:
3 h 25 min 18 s
